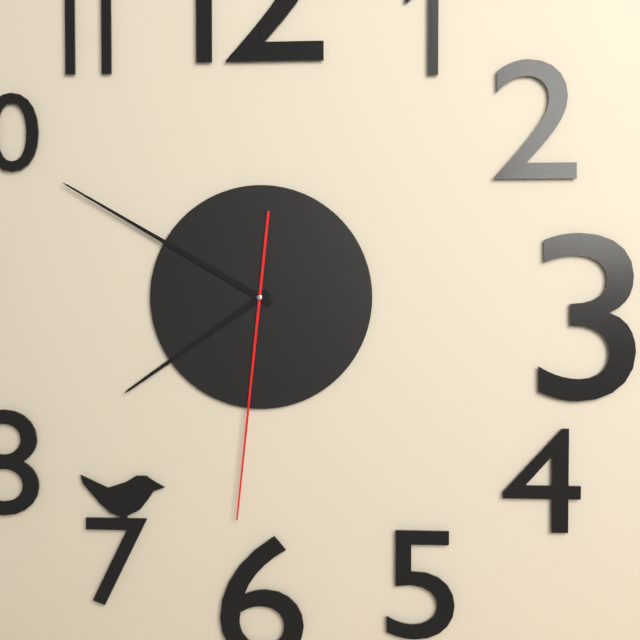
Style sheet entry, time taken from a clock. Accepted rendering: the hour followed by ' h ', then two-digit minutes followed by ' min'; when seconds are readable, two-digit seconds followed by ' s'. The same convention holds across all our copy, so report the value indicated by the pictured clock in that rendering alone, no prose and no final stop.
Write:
7 h 50 min 31 s
